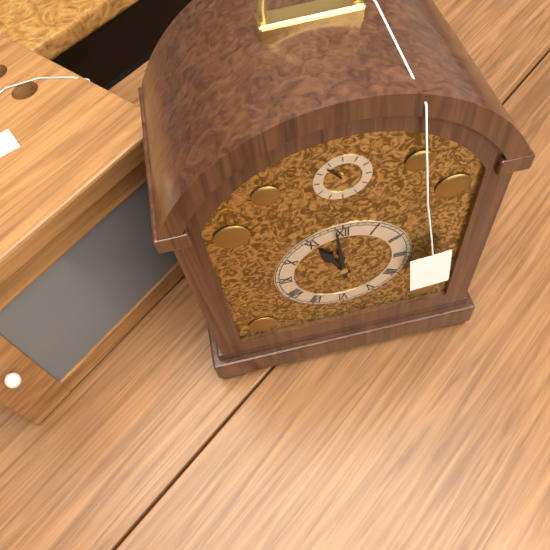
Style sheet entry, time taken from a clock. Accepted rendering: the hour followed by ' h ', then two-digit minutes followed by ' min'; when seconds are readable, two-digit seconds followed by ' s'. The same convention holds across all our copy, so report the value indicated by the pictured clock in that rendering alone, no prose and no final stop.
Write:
10 h 59 min
